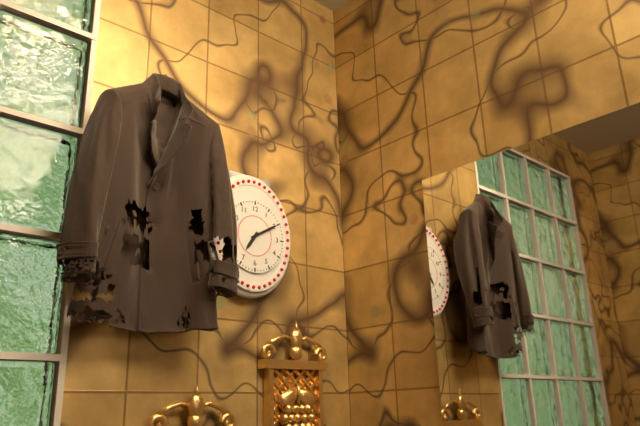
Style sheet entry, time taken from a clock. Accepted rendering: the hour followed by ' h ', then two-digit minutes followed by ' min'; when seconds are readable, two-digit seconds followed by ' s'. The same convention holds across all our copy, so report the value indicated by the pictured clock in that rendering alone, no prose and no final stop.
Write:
7 h 10 min
